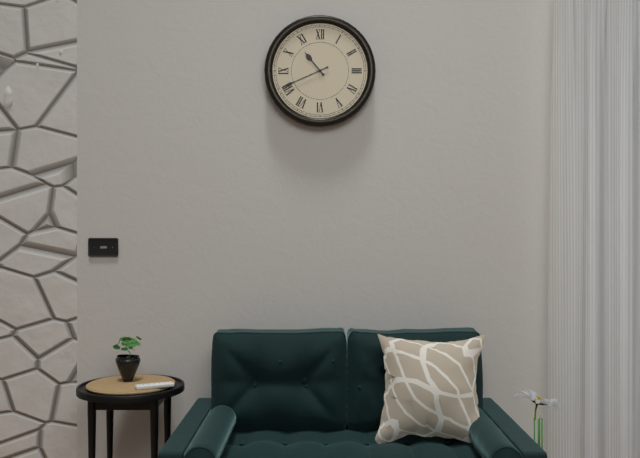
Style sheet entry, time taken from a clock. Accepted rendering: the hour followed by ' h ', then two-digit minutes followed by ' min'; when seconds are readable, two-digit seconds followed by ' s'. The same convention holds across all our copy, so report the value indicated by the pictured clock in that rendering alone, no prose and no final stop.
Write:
10 h 41 min
